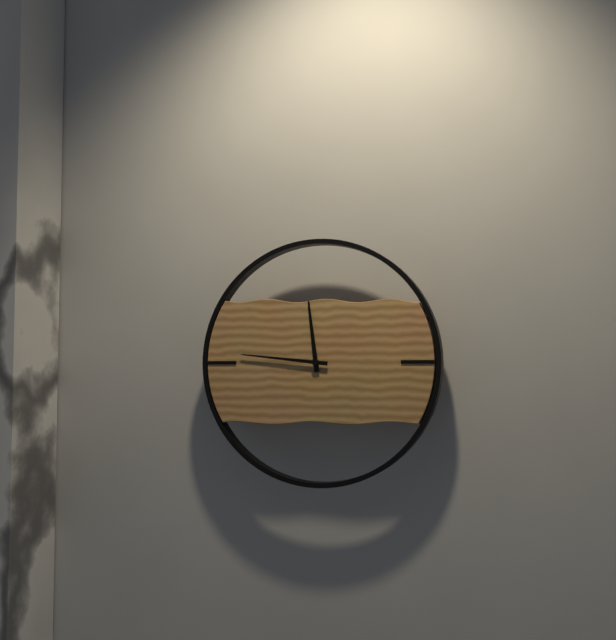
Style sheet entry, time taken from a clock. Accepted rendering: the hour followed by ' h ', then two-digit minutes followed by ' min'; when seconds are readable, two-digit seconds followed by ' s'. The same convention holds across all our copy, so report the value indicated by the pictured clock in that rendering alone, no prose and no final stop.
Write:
11 h 46 min
